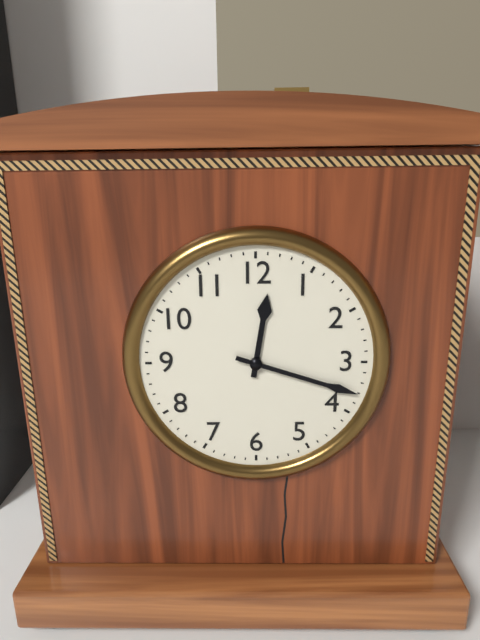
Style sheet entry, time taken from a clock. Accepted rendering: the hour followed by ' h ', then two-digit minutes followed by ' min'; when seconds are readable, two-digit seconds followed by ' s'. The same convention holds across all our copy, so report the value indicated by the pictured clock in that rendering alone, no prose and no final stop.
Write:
12 h 18 min
